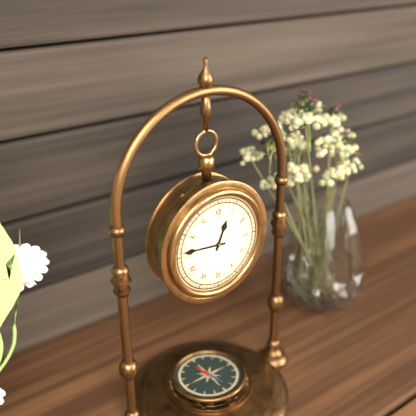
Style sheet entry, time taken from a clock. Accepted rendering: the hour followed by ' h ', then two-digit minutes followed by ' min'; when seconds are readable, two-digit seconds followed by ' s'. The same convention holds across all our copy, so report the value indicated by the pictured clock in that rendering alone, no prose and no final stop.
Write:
12 h 46 min
